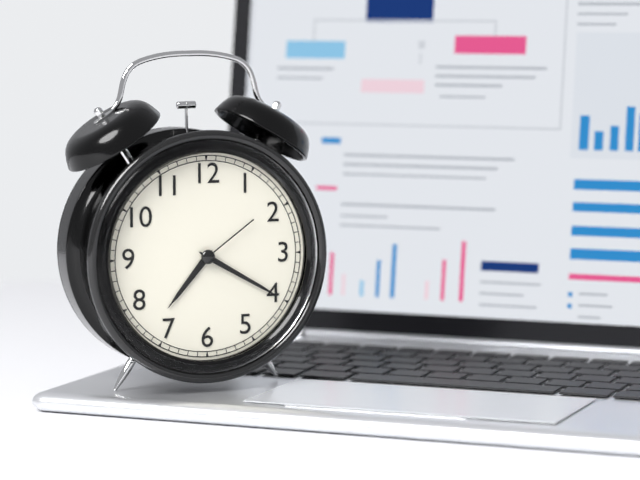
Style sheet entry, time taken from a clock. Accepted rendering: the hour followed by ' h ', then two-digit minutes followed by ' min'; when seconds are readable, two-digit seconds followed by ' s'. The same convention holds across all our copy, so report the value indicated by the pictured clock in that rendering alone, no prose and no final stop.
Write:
7 h 20 min 09 s
